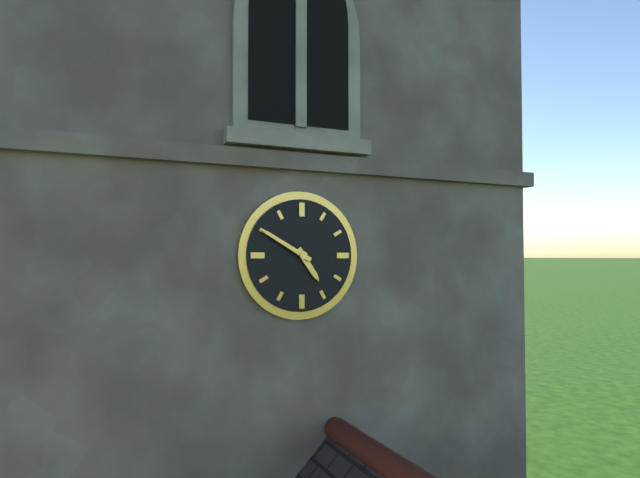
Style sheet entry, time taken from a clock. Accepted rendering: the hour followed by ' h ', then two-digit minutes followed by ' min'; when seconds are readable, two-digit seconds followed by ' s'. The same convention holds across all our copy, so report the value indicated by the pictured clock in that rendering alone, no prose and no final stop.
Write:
4 h 50 min
